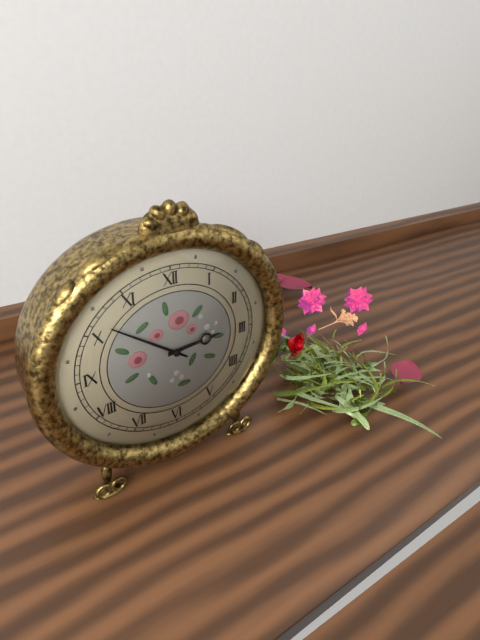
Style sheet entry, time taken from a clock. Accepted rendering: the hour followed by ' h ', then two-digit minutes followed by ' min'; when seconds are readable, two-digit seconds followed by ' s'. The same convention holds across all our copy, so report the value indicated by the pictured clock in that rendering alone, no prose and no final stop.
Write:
2 h 51 min
